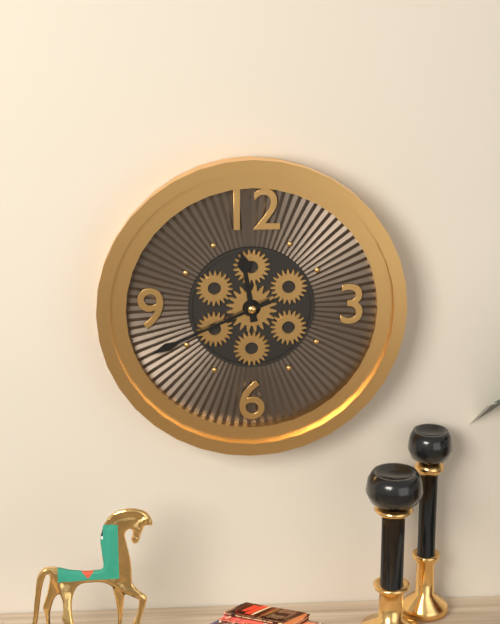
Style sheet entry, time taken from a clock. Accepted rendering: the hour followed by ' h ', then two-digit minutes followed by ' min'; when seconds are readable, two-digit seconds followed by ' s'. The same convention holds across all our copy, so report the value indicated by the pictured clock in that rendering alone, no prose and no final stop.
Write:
11 h 41 min
